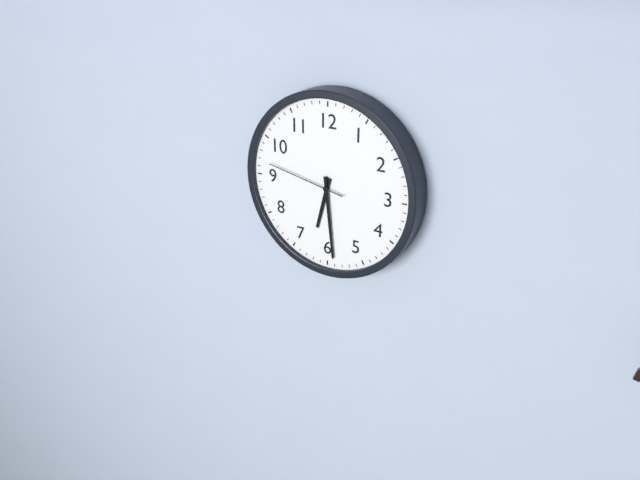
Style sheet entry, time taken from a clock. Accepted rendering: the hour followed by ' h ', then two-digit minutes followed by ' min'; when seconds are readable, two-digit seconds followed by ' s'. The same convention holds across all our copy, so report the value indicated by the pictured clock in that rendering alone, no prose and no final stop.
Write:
6 h 29 min 47 s
